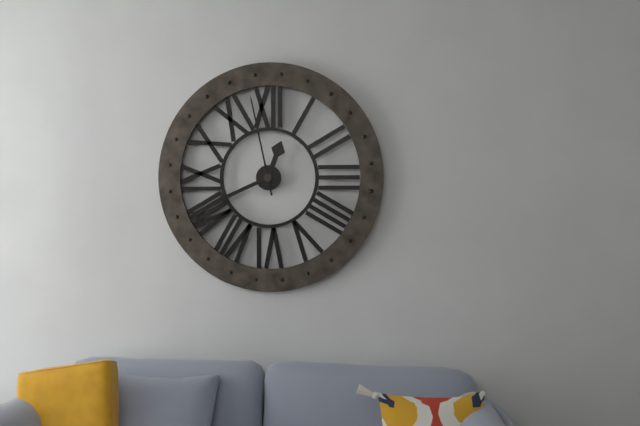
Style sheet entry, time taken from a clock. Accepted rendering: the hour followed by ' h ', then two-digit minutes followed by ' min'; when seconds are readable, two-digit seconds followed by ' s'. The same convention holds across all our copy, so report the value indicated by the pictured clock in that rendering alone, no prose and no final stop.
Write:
12 h 41 min 58 s
